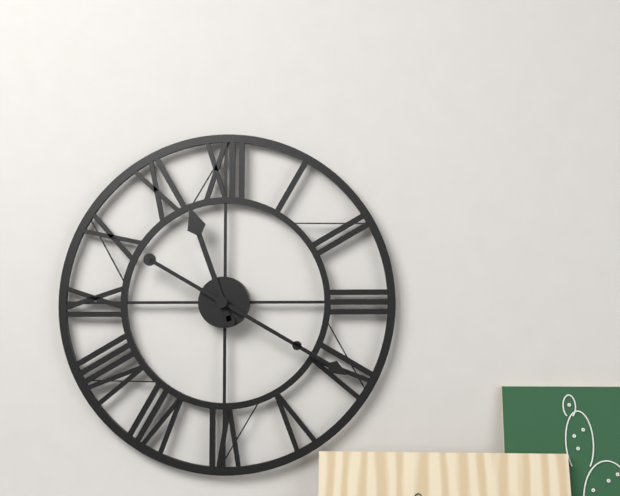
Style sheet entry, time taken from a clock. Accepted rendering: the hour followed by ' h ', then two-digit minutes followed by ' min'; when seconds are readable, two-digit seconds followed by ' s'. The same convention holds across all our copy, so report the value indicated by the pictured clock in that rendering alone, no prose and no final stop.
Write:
11 h 20 min
